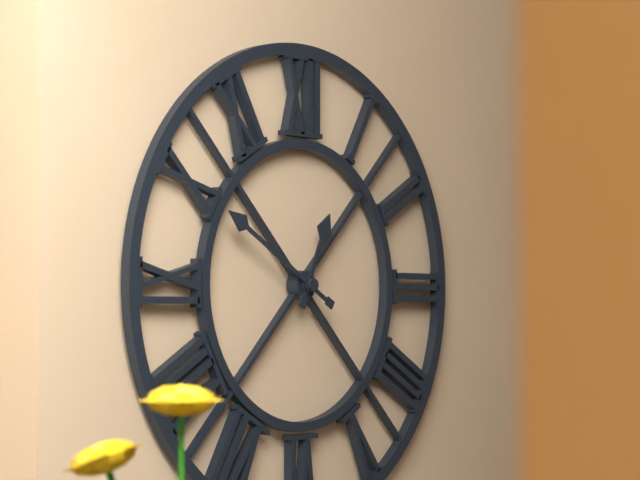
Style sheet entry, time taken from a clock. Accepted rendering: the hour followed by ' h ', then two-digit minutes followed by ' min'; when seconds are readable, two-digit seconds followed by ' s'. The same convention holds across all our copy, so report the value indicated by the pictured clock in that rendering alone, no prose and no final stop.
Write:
12 h 50 min
